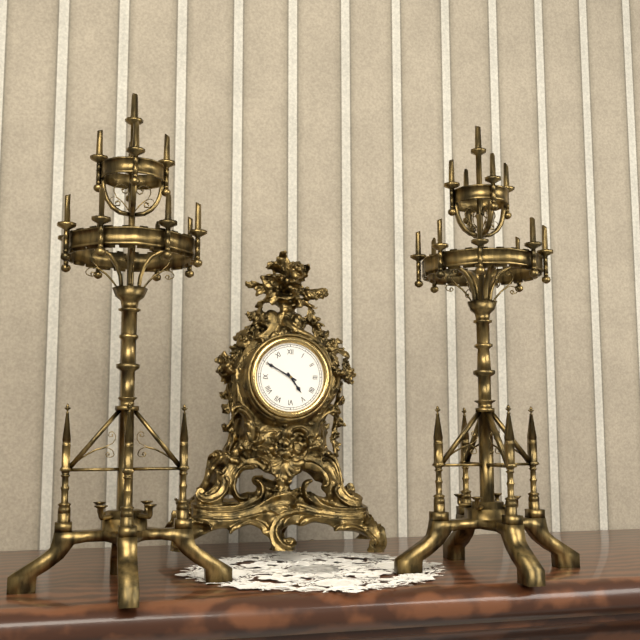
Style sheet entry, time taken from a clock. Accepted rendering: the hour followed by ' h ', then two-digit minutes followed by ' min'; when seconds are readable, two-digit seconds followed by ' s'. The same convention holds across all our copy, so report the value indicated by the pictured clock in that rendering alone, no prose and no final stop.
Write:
4 h 50 min
